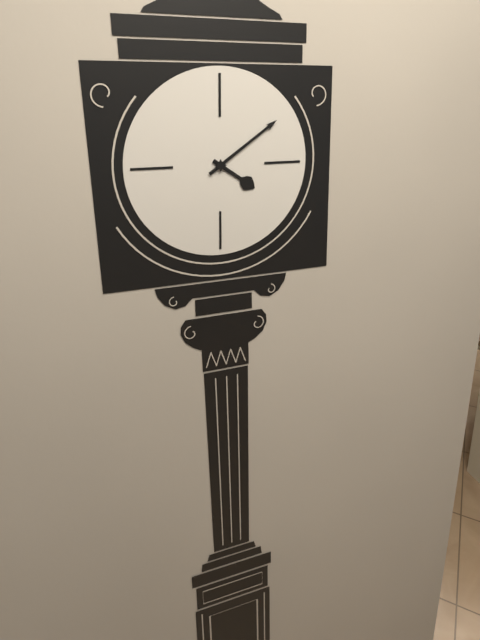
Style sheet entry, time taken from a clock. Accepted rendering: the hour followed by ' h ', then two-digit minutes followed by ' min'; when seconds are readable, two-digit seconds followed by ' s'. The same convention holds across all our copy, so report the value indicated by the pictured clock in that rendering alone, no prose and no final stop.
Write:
4 h 09 min
